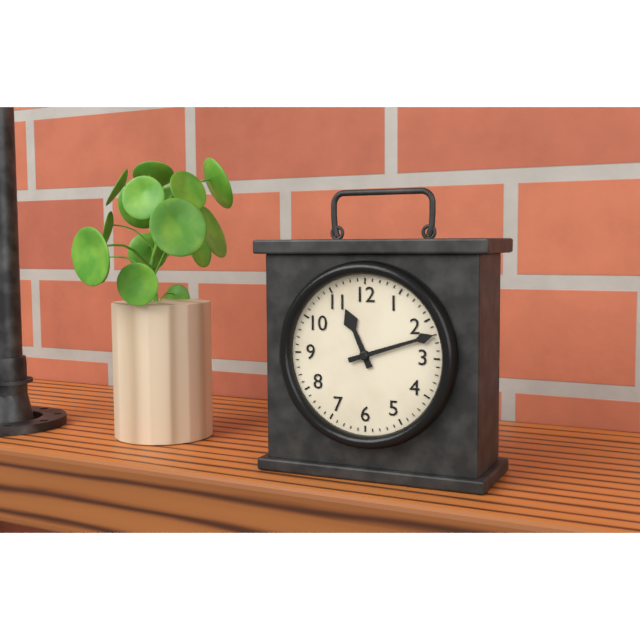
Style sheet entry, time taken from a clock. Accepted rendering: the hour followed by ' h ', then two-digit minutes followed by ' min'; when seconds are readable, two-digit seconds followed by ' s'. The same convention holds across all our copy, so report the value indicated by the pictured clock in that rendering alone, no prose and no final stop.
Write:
11 h 12 min
